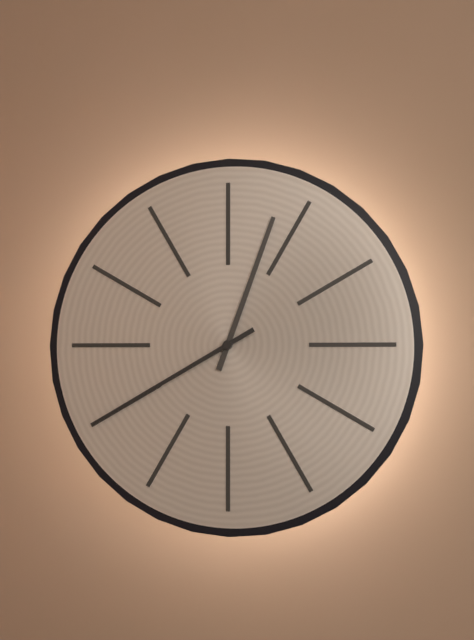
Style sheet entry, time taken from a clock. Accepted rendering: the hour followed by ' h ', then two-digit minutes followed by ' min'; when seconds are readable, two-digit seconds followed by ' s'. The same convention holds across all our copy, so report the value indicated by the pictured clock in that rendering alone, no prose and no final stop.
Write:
12 h 40 min
